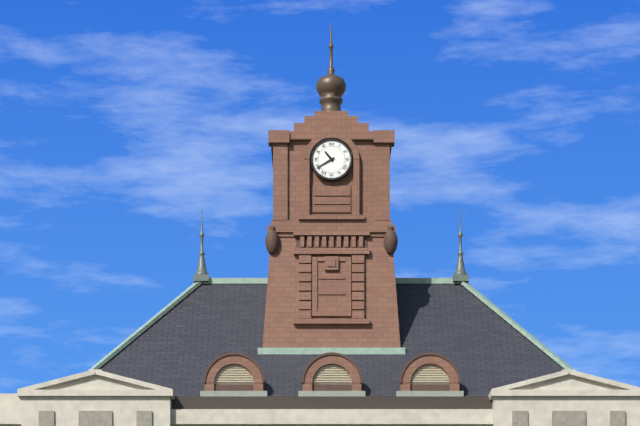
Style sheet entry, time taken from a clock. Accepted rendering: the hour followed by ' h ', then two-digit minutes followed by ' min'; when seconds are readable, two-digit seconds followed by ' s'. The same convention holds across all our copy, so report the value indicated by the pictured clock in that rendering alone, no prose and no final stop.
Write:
10 h 40 min
